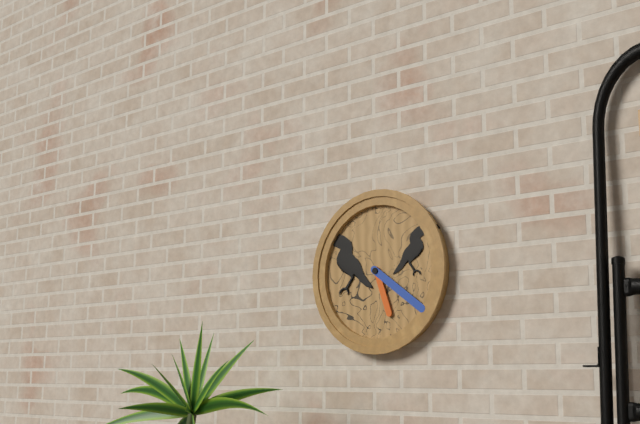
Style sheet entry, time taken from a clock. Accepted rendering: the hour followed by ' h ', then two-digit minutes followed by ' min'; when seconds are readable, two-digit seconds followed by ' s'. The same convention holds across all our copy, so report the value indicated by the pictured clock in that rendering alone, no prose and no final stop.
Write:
5 h 21 min
